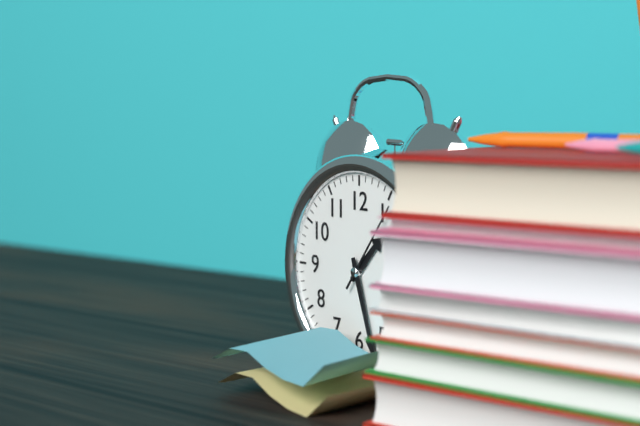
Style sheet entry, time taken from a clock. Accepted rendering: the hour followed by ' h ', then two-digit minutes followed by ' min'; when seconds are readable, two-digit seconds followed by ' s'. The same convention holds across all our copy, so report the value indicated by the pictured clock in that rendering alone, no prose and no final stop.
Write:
1 h 27 min 06 s
